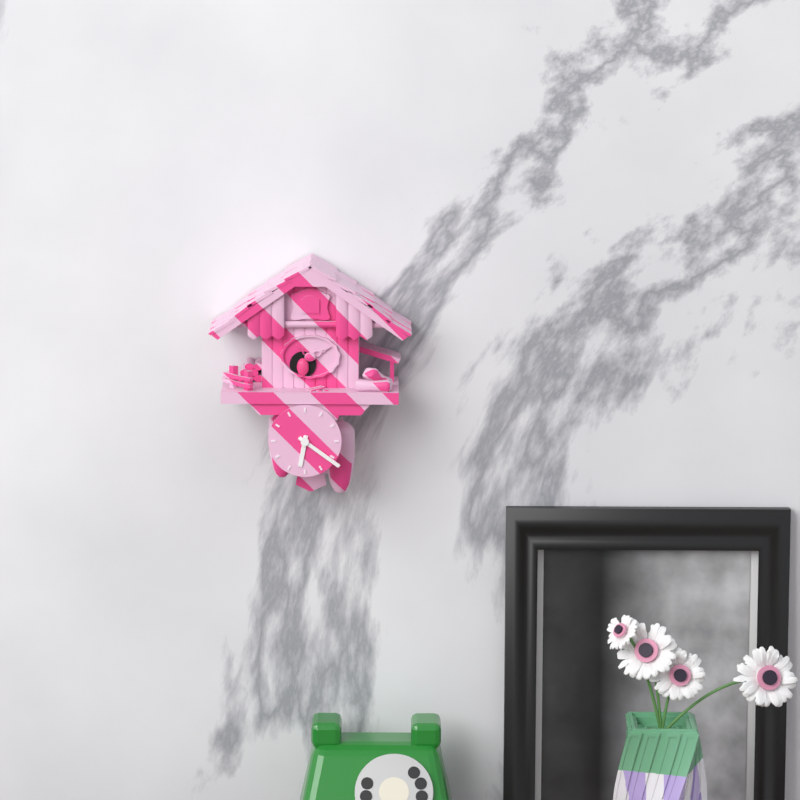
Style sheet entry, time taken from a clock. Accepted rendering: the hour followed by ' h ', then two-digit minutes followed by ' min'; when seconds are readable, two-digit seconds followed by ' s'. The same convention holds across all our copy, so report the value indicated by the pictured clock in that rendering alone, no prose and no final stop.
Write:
6 h 21 min
